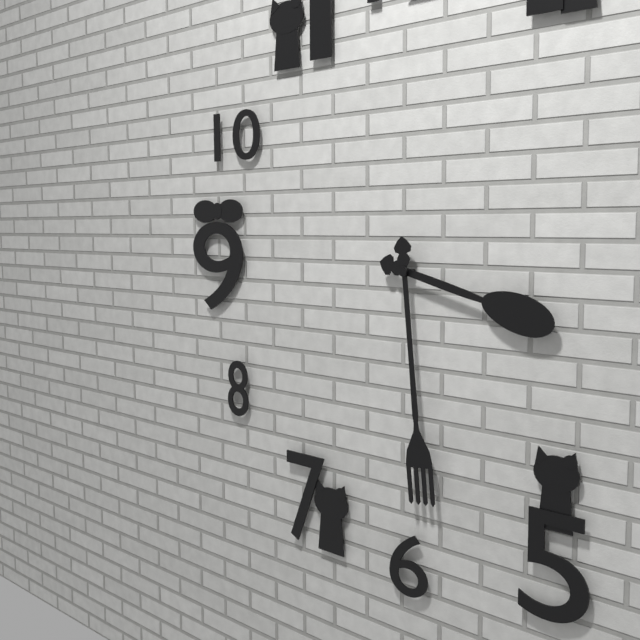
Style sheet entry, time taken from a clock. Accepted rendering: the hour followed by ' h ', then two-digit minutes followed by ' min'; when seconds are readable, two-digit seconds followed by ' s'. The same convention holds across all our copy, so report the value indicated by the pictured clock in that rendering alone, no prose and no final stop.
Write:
3 h 29 min
